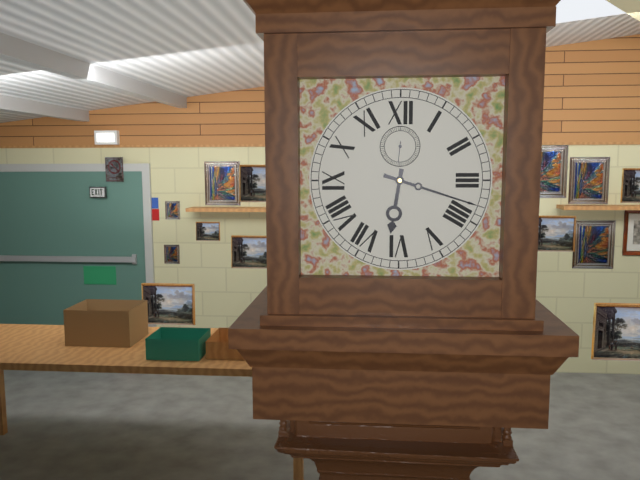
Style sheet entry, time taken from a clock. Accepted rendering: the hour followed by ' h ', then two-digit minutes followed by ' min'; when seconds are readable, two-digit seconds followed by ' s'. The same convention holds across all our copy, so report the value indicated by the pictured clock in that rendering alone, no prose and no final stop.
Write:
6 h 18 min
